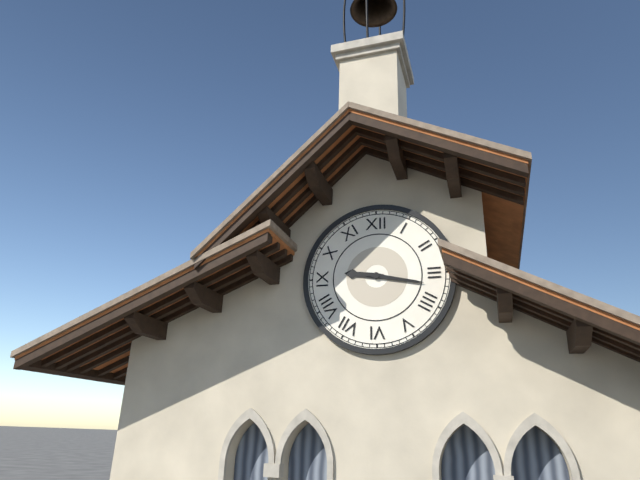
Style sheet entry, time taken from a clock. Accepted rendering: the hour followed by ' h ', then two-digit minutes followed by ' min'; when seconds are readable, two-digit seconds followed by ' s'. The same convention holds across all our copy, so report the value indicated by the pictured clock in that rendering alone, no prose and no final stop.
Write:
9 h 17 min
